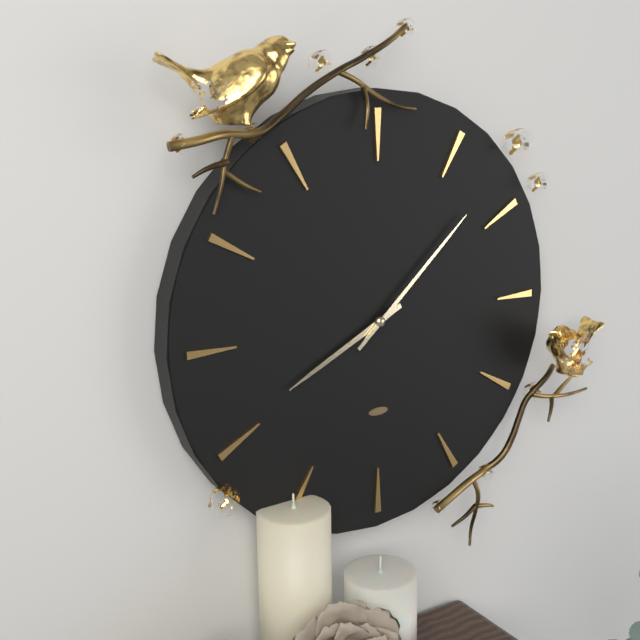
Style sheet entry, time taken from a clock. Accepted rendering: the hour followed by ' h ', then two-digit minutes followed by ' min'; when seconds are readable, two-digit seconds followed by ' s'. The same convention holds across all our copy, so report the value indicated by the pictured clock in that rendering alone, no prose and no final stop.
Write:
8 h 08 min
